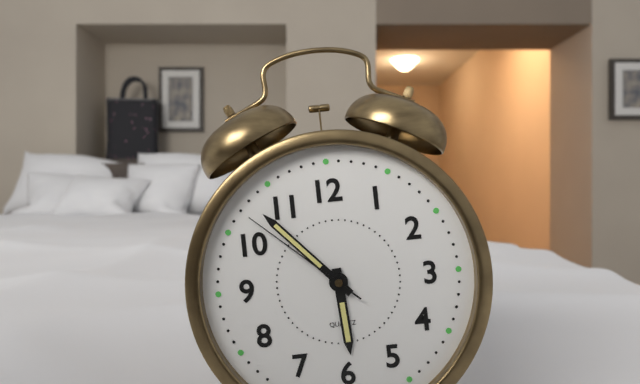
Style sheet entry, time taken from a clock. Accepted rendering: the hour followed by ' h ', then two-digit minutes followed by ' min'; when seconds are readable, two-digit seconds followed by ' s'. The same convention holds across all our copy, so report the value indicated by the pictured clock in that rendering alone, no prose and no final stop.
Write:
5 h 53 min 52 s
